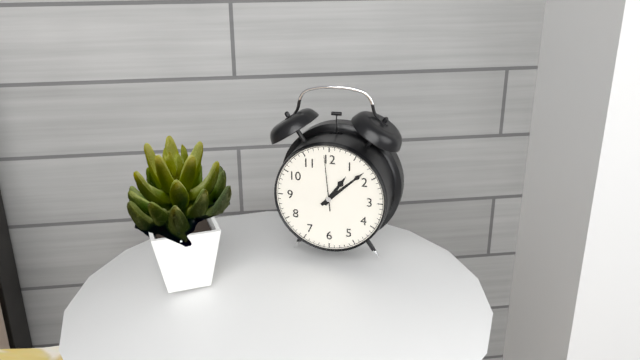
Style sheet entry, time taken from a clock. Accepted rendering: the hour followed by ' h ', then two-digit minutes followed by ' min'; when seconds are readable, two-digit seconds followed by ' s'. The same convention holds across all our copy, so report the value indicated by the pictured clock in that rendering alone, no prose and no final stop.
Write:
1 h 08 min 59 s
